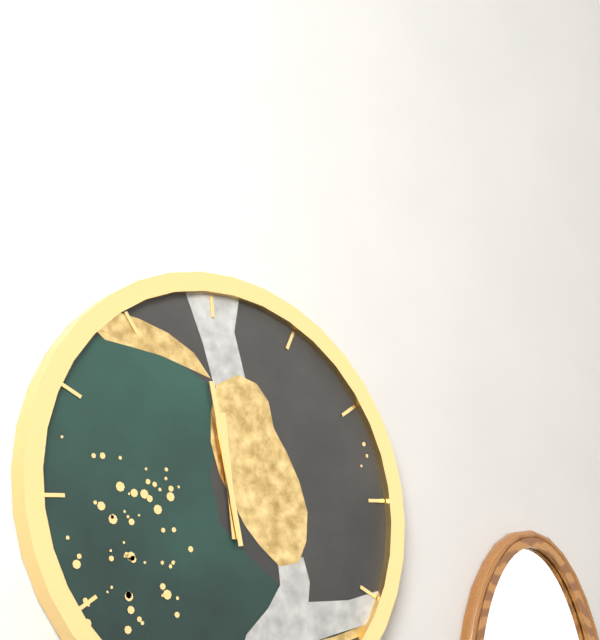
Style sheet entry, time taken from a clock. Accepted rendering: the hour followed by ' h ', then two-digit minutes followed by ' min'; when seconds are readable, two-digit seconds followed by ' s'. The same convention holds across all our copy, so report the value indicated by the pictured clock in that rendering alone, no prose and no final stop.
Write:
11 h 59 min
